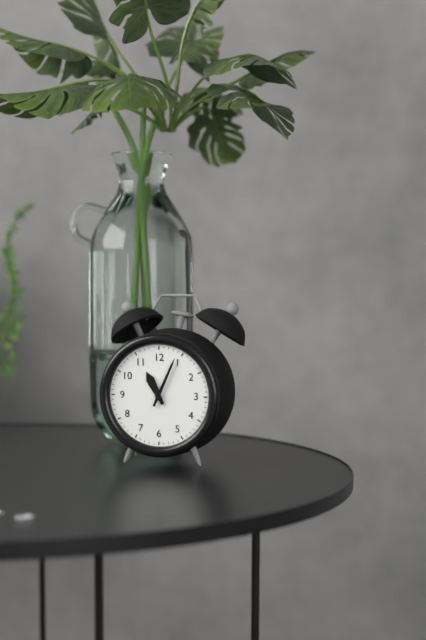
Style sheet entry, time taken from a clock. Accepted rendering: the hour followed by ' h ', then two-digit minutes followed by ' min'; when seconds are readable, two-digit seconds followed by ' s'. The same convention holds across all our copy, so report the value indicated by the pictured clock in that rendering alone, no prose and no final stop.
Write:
11 h 04 min
